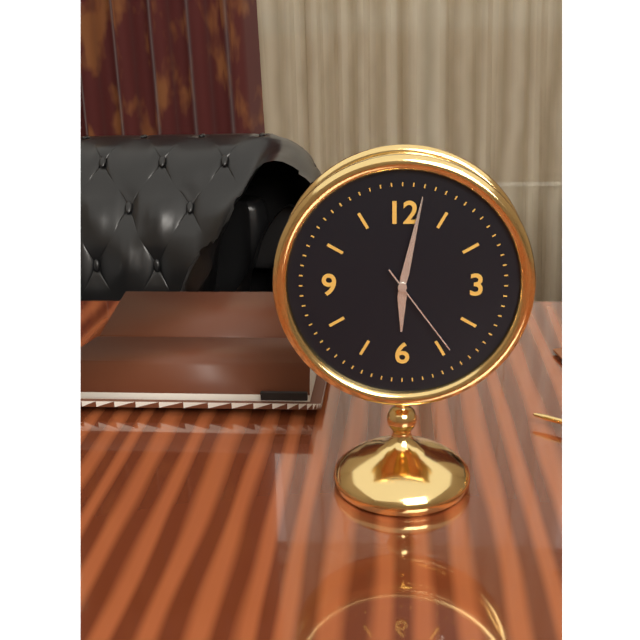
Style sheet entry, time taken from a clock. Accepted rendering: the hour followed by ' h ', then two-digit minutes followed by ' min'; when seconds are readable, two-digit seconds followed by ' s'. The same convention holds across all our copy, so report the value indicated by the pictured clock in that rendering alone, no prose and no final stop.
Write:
6 h 02 min 24 s
